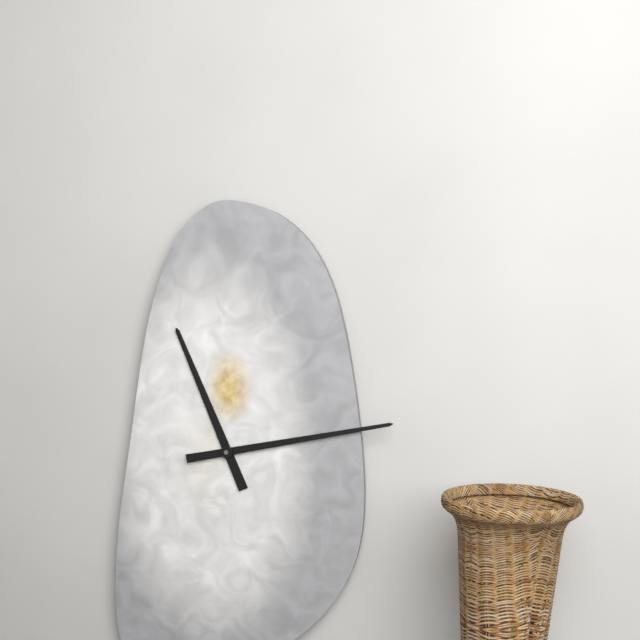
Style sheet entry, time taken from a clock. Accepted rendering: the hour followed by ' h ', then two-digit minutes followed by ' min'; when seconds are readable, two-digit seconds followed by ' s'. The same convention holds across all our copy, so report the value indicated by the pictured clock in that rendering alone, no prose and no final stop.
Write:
11 h 13 min
